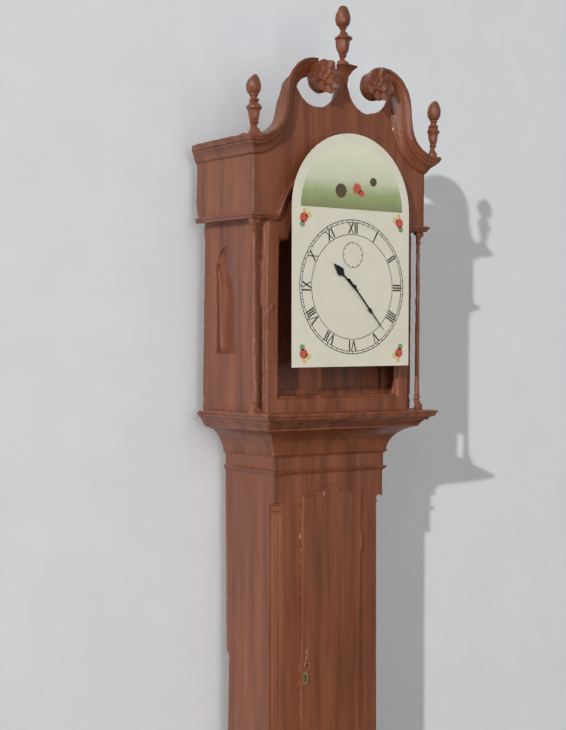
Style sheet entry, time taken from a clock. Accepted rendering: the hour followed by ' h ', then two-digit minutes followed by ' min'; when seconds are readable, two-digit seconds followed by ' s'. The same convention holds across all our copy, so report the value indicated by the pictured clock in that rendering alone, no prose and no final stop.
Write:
10 h 23 min
